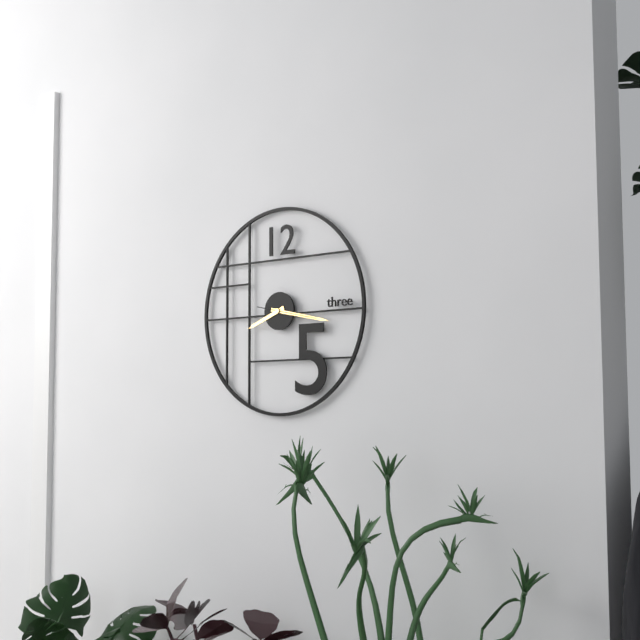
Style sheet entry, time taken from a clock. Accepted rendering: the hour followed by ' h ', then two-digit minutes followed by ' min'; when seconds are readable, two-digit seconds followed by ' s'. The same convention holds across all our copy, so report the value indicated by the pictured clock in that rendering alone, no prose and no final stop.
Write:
8 h 17 min
